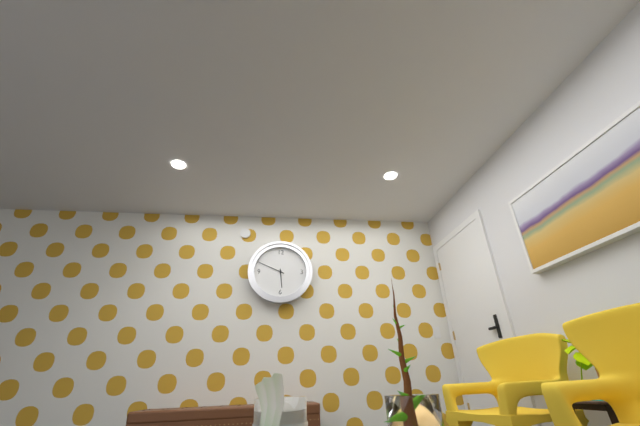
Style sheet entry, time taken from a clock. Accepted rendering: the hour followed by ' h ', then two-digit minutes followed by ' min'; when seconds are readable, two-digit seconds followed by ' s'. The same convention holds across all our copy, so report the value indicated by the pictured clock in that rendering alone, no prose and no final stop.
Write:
5 h 49 min
